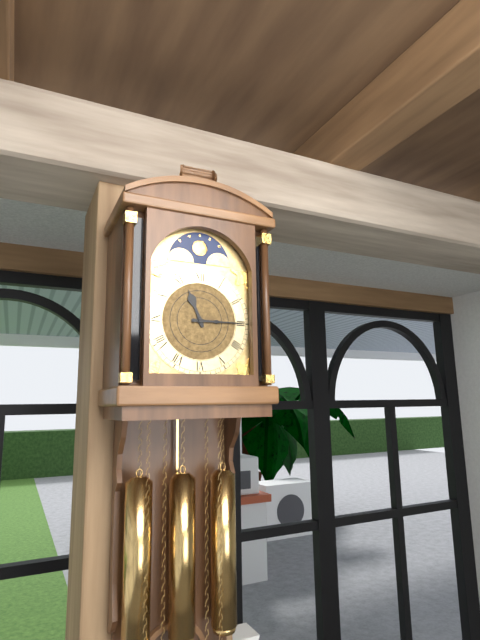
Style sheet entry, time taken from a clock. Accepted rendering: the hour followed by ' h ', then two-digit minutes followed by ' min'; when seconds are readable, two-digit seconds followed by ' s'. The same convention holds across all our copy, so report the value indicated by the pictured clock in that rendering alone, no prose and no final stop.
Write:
11 h 15 min
